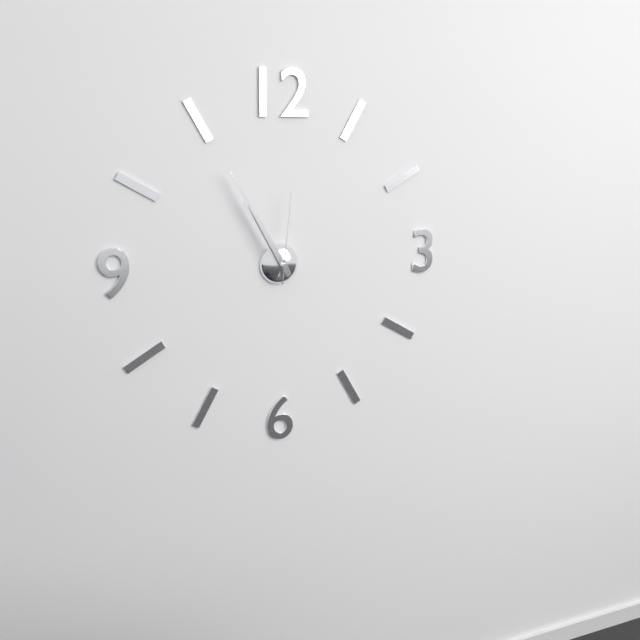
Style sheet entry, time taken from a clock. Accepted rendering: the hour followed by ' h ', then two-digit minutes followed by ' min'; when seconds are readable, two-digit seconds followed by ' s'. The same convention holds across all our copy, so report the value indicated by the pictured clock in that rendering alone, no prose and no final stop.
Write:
10 h 55 min 01 s
